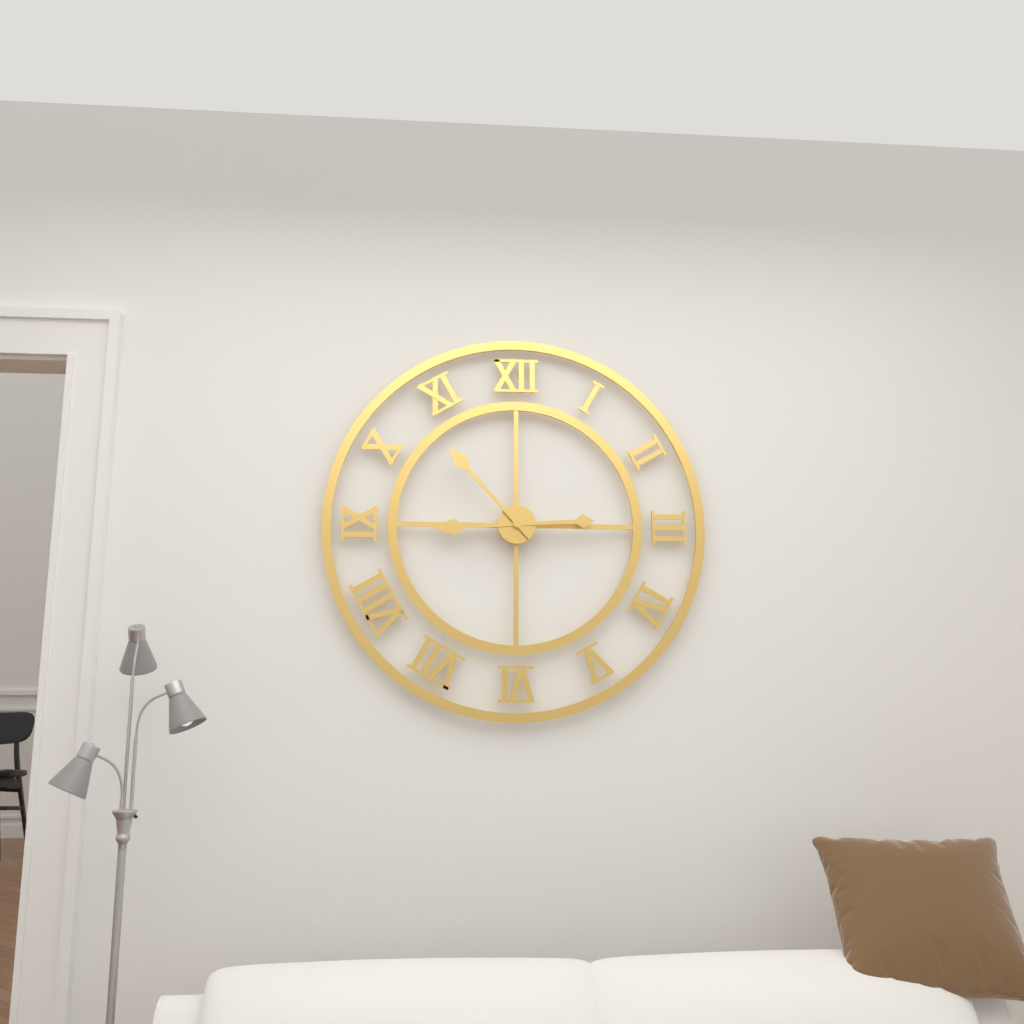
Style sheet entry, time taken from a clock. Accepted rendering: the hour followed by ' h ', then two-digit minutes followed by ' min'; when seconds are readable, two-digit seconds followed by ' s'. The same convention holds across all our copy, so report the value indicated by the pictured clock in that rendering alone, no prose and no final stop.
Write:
8 h 53 min
